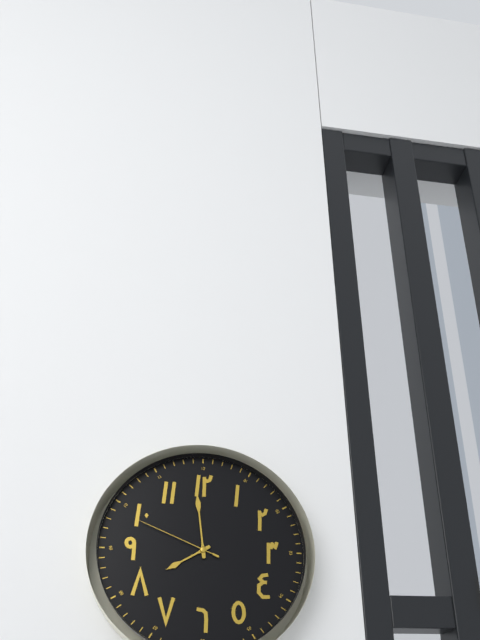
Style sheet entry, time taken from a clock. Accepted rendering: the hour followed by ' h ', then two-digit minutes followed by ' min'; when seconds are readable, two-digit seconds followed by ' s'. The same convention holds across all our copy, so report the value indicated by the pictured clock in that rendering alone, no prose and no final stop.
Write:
7 h 59 min 49 s
